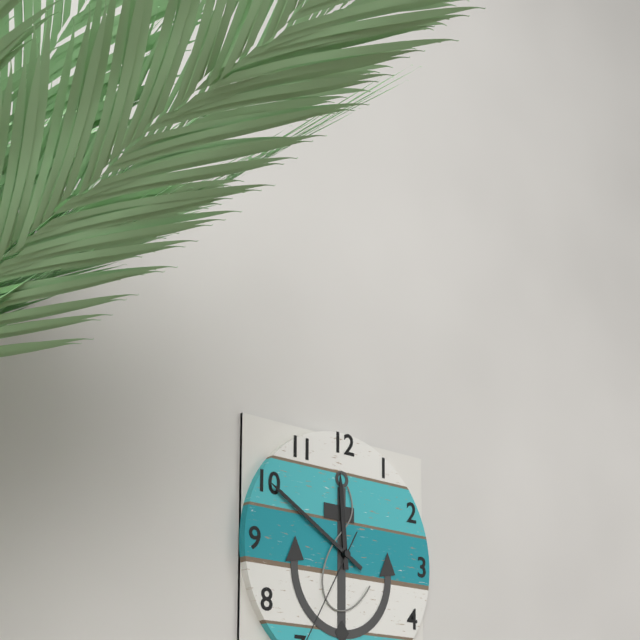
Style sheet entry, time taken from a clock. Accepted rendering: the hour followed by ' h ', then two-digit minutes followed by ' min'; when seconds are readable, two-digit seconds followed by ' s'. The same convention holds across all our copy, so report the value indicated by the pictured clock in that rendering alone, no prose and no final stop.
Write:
11 h 50 min
